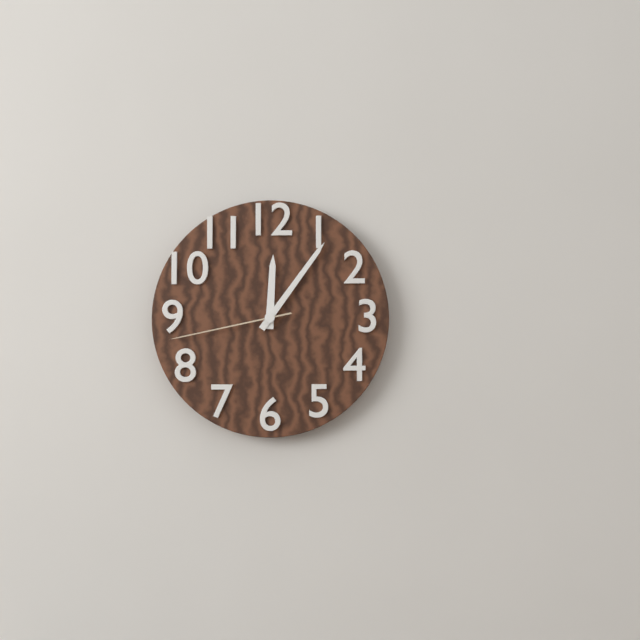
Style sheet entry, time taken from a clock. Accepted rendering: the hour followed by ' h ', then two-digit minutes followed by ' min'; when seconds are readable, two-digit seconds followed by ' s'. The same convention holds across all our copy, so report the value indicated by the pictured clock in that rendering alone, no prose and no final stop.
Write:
12 h 06 min 43 s
